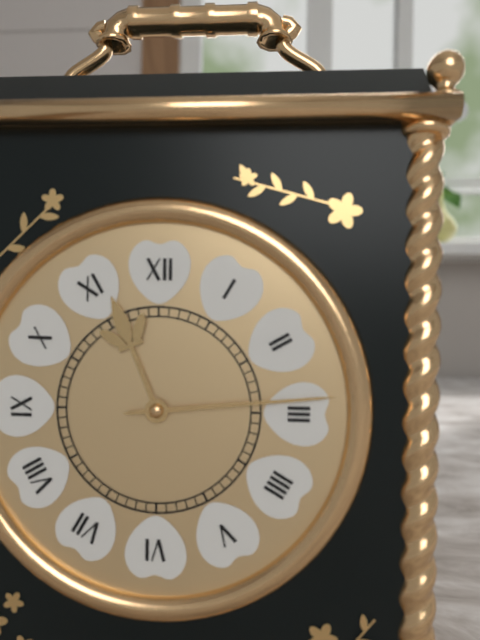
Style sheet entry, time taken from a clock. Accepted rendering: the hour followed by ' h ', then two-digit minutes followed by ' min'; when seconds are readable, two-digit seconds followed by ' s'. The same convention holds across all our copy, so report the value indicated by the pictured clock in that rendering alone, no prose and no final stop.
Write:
11 h 14 min
